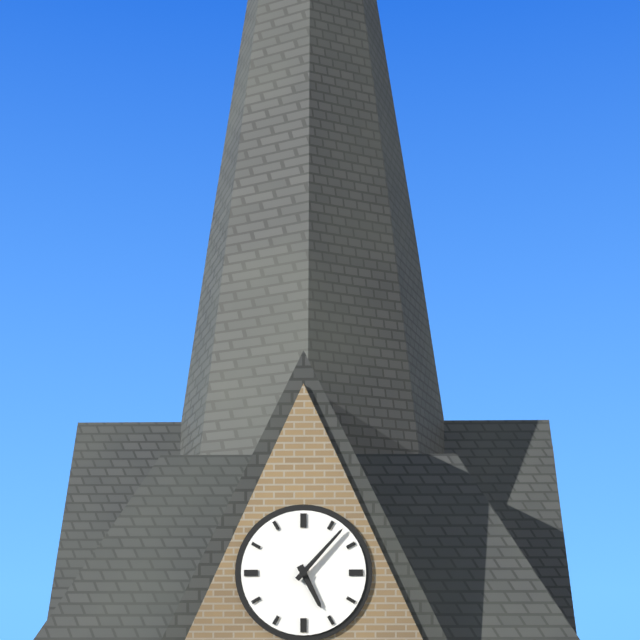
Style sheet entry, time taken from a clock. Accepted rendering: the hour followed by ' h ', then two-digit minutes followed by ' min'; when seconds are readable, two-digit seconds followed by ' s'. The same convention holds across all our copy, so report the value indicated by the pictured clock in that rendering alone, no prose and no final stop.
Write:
5 h 07 min
